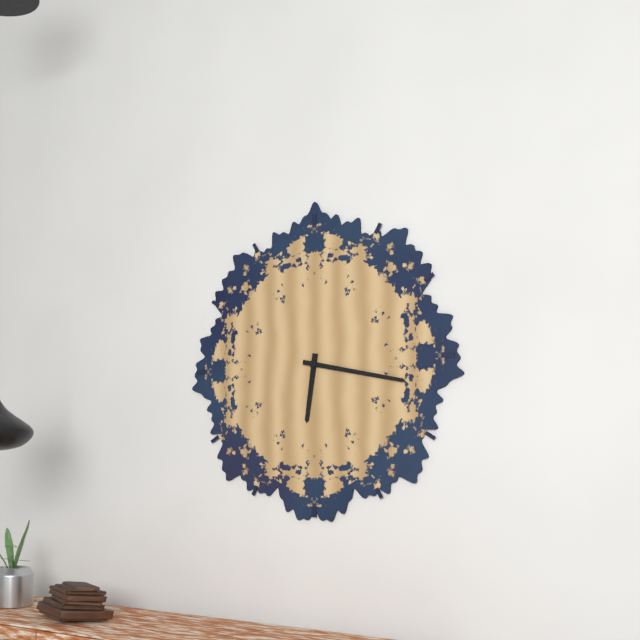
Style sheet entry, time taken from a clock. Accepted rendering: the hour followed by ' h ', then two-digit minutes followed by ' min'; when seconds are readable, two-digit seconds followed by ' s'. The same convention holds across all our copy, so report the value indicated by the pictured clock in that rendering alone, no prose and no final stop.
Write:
6 h 17 min
